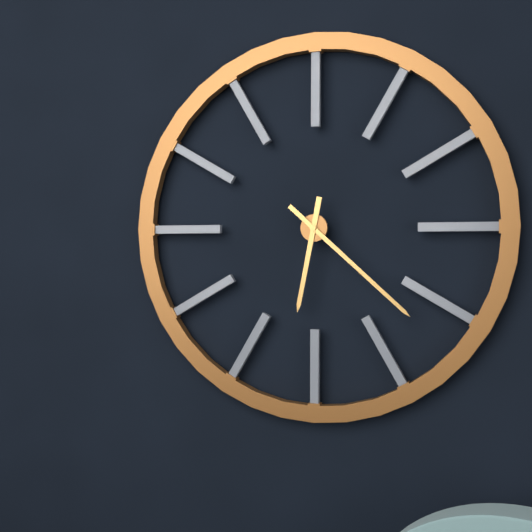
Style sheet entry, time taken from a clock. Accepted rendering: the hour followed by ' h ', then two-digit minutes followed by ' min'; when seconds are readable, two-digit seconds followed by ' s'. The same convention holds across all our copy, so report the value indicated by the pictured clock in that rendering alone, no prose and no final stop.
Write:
6 h 22 min
